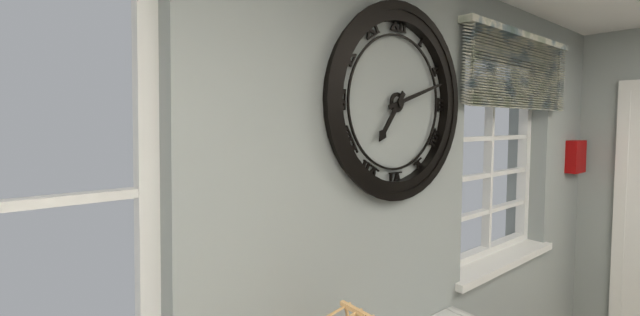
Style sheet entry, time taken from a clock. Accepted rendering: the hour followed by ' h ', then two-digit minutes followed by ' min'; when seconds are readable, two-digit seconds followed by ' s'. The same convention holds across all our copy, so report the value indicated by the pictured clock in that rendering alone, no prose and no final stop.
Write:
7 h 12 min
